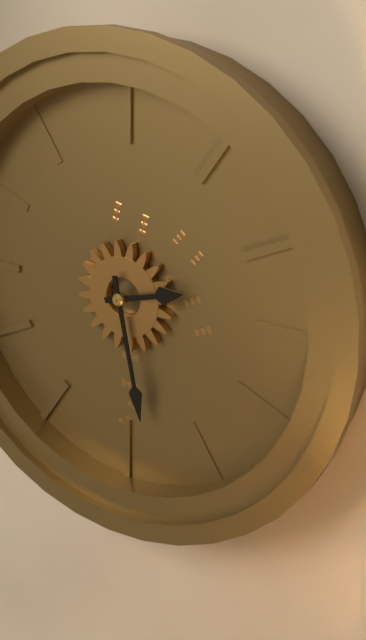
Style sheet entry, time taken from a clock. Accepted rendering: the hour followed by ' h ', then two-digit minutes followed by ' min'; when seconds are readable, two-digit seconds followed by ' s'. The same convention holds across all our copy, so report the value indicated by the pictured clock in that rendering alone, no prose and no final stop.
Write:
2 h 28 min
